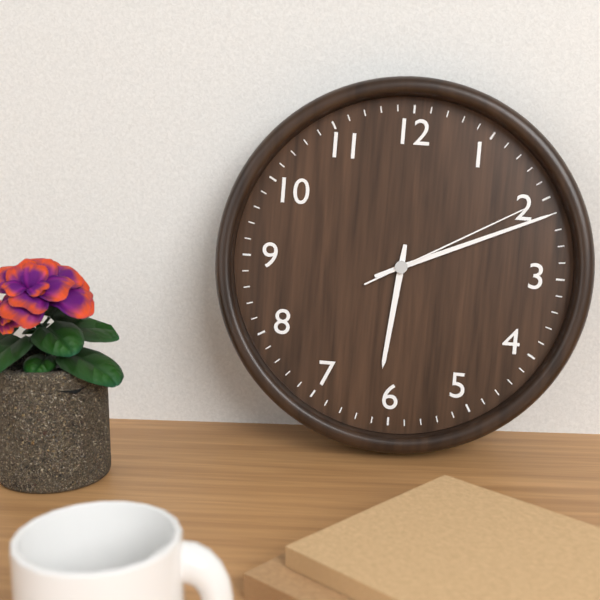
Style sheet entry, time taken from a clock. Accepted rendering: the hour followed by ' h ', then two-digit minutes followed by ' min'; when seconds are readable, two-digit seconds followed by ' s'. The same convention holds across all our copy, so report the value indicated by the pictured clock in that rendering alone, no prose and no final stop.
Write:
6 h 11 min 10 s
